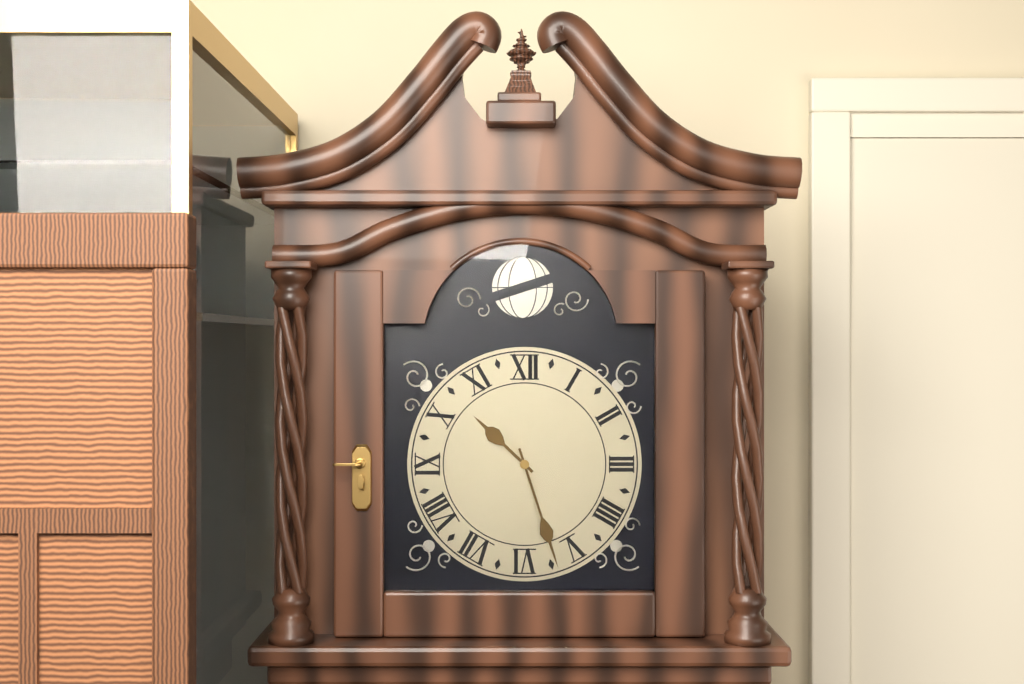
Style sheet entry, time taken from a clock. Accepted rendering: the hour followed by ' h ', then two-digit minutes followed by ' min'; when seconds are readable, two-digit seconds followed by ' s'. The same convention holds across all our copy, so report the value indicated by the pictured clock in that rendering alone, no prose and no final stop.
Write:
10 h 27 min
